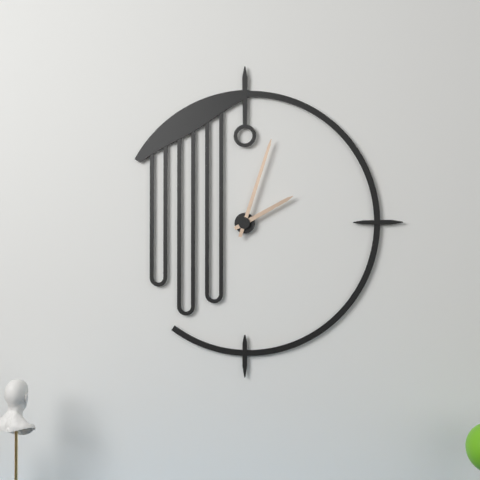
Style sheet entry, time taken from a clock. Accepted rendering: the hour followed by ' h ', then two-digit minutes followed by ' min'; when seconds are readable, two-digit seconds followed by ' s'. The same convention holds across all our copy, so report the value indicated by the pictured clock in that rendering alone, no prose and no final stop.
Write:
2 h 03 min
